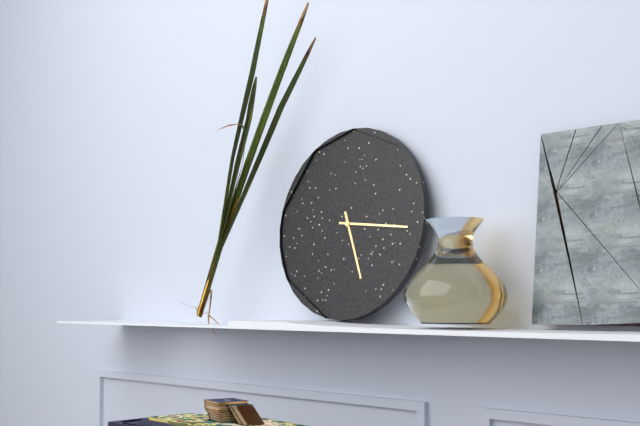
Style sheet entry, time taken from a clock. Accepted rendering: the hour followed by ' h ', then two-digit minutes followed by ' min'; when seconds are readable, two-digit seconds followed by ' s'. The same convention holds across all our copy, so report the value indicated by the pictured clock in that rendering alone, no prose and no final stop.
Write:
5 h 16 min
